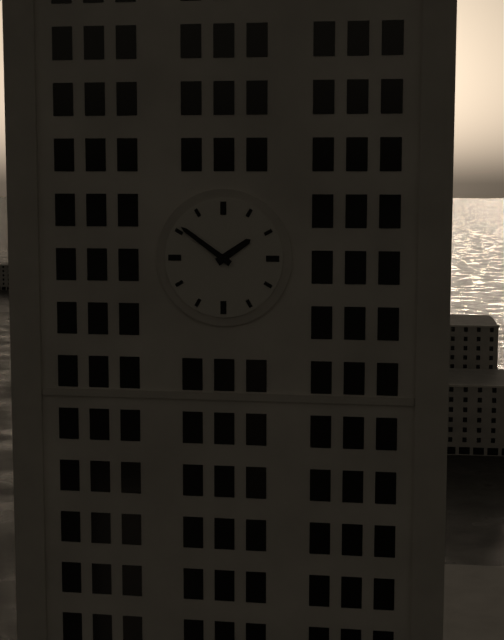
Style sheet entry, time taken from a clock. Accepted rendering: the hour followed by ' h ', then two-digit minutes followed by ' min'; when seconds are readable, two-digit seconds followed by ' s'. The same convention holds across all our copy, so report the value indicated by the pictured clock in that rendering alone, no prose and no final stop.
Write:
1 h 51 min
